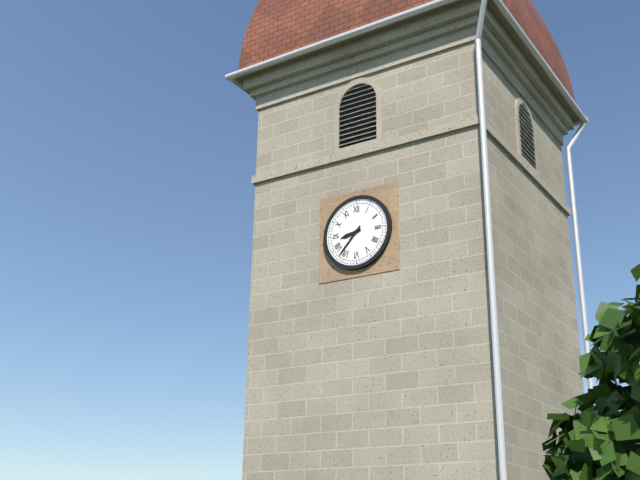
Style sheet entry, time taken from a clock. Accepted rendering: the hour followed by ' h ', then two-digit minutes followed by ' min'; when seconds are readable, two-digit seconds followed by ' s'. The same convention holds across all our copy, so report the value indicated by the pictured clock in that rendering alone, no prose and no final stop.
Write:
8 h 37 min
